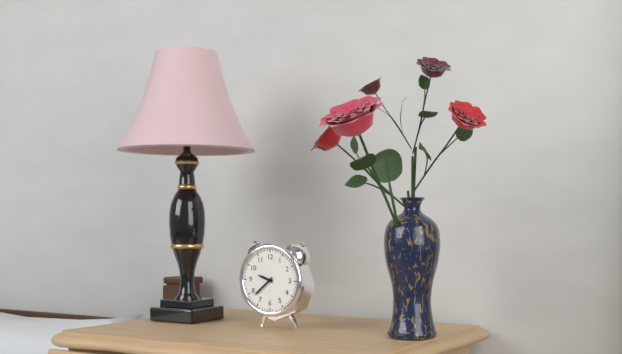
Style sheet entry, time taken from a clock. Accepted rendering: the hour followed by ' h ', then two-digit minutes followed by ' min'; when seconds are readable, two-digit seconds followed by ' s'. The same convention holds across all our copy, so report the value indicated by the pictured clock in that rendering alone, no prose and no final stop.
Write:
9 h 38 min
